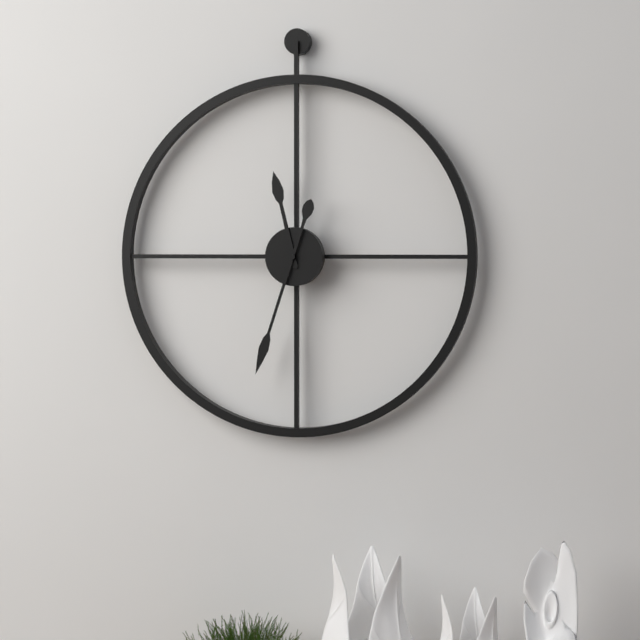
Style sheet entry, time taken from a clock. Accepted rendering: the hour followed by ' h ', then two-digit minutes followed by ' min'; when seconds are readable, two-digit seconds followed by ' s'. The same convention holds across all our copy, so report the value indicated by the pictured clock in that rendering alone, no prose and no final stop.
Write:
11 h 33 min
